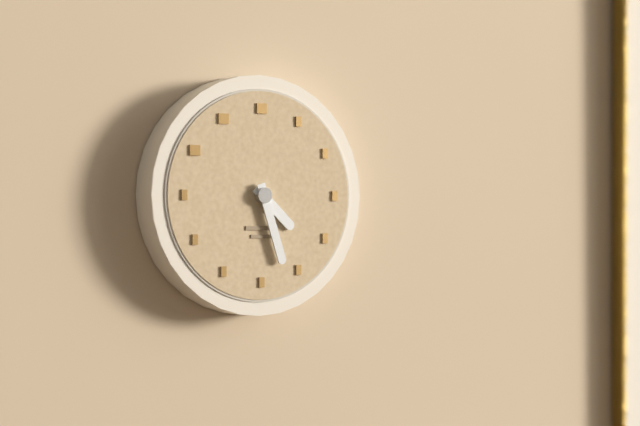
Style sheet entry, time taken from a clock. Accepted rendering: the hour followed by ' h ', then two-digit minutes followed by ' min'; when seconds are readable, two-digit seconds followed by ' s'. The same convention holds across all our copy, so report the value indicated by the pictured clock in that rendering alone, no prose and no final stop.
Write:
4 h 27 min
